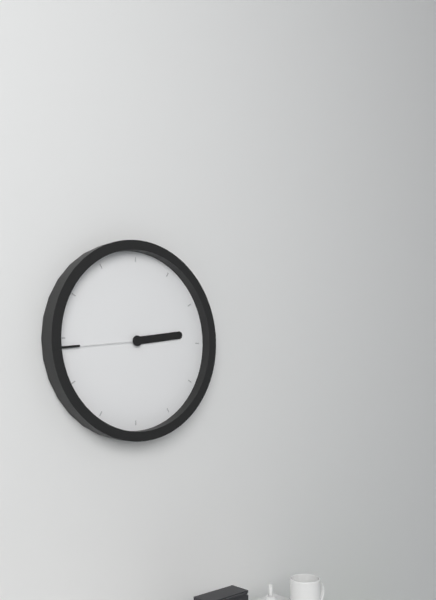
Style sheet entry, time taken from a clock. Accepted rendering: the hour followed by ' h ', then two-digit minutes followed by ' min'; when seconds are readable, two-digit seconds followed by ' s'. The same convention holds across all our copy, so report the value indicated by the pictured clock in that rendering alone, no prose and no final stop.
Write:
2 h 44 min
